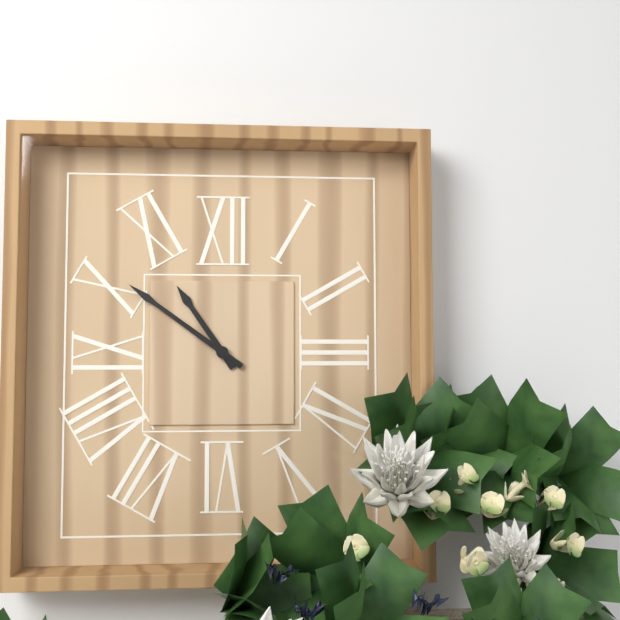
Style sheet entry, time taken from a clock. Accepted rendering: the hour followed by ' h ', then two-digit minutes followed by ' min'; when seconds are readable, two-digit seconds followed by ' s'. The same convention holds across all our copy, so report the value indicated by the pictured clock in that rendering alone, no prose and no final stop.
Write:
10 h 51 min
